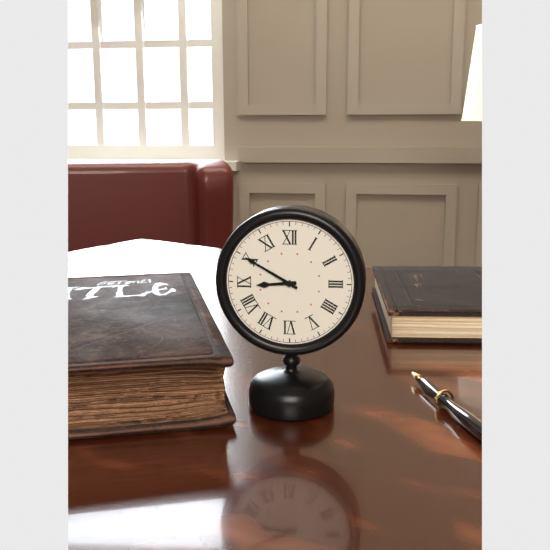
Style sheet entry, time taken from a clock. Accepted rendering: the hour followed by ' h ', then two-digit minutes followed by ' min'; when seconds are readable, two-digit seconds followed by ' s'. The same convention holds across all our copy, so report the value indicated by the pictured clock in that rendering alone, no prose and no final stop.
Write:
8 h 50 min
